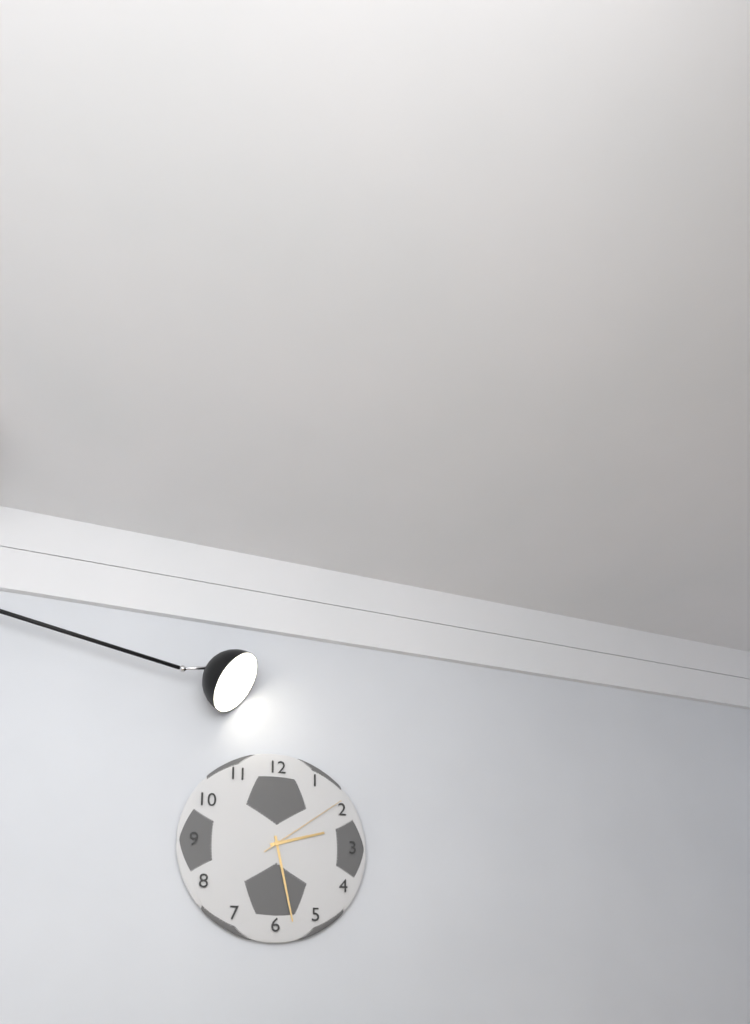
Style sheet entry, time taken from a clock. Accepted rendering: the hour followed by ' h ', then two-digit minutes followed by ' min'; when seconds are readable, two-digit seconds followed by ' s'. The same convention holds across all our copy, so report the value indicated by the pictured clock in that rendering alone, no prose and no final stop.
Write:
2 h 28 min 09 s
